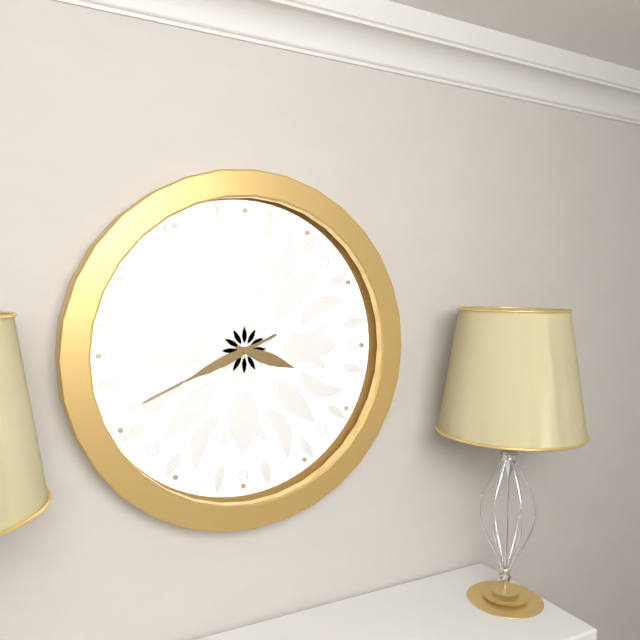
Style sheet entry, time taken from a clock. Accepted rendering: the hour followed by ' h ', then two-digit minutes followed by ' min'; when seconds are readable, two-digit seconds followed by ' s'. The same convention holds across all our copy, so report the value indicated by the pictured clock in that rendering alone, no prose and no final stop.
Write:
3 h 41 min
